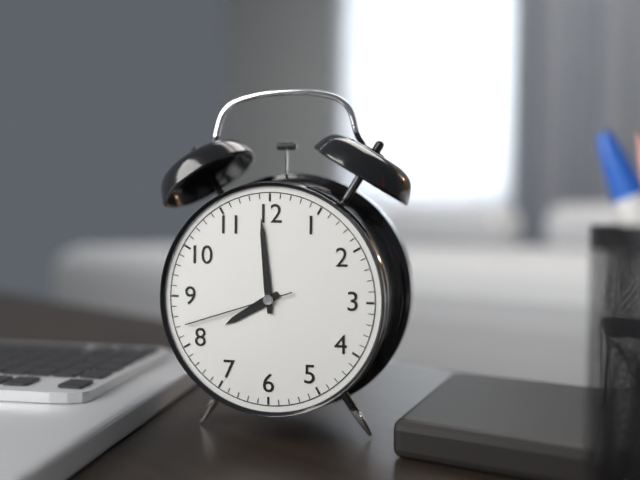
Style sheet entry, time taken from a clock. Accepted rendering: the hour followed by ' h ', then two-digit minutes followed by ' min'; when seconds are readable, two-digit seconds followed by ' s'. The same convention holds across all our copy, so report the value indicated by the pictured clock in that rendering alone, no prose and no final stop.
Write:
7 h 59 min 42 s
